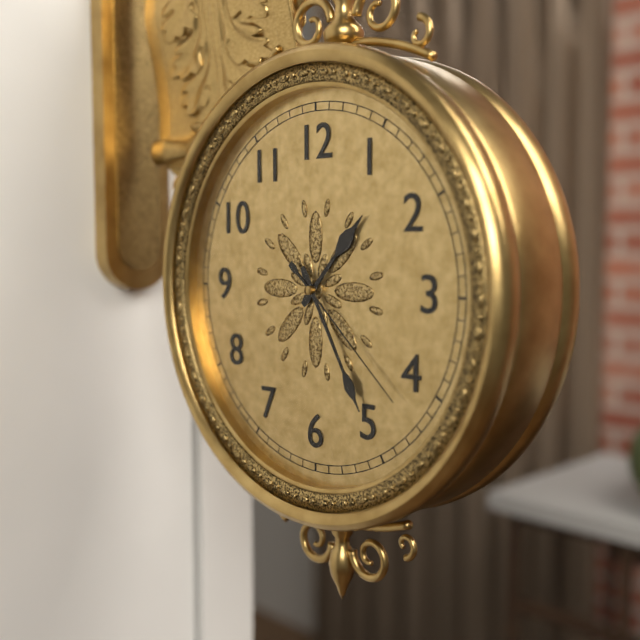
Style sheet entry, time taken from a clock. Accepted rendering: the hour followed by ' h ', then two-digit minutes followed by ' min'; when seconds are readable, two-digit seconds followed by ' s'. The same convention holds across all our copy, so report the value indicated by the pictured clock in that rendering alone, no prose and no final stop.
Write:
1 h 25 min 22 s
